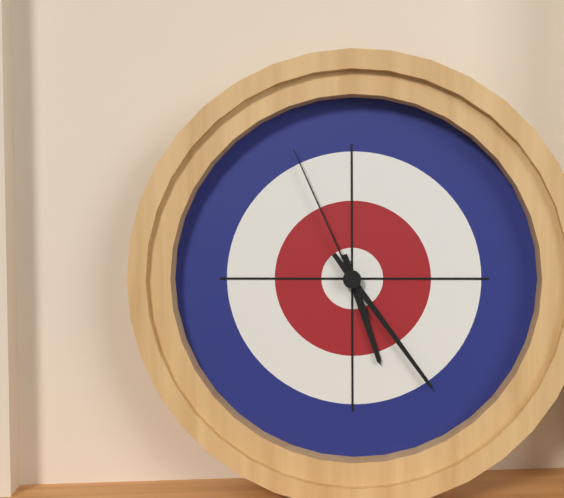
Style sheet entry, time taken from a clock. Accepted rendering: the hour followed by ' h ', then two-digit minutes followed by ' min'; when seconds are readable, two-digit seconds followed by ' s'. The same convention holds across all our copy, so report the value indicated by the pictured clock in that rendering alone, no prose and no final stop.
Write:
5 h 24 min 56 s
